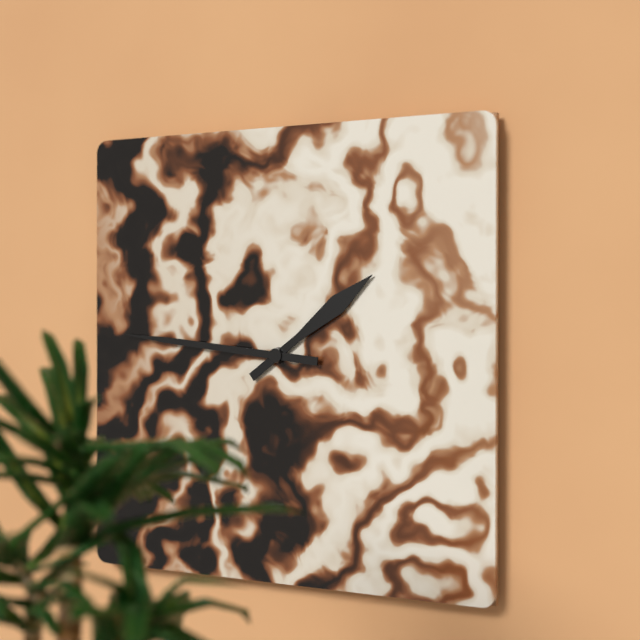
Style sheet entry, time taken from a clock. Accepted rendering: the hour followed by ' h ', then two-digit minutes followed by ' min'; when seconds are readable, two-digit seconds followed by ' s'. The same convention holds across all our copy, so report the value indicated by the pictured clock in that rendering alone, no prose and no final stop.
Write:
1 h 46 min
